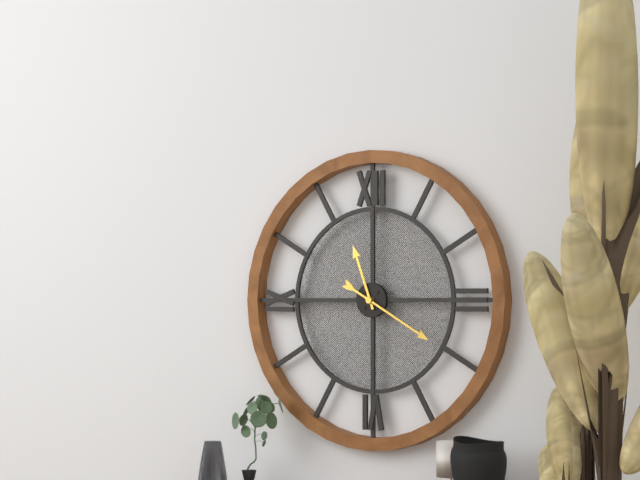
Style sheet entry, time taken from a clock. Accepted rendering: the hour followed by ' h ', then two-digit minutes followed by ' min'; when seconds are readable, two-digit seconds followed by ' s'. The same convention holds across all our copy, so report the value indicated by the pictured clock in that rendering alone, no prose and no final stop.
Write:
11 h 20 min
